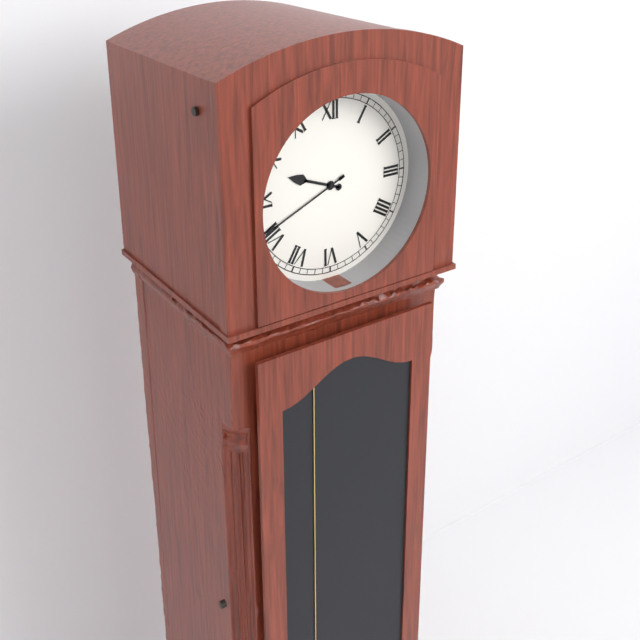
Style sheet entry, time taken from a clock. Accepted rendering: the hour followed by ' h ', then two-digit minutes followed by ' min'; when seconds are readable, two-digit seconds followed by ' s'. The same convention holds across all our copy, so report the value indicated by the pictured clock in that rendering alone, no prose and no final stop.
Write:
9 h 41 min
